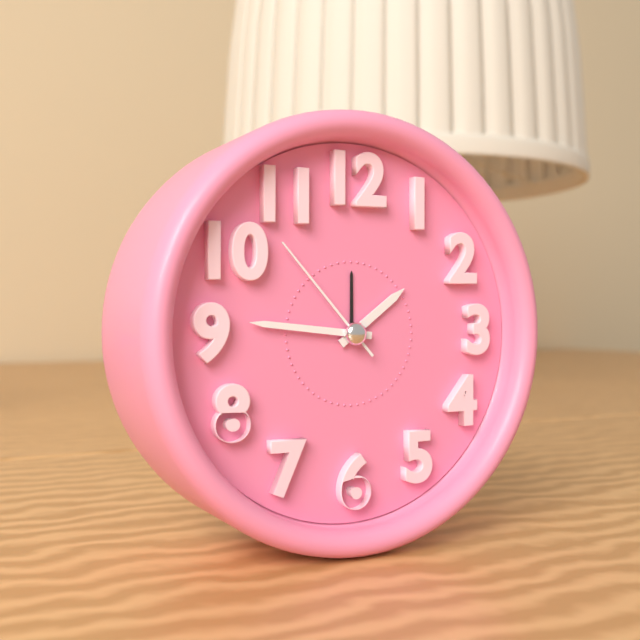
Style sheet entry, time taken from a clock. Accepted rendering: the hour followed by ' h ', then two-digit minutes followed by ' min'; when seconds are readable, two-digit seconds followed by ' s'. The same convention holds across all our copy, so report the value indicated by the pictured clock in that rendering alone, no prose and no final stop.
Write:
1 h 46 min 53 s
